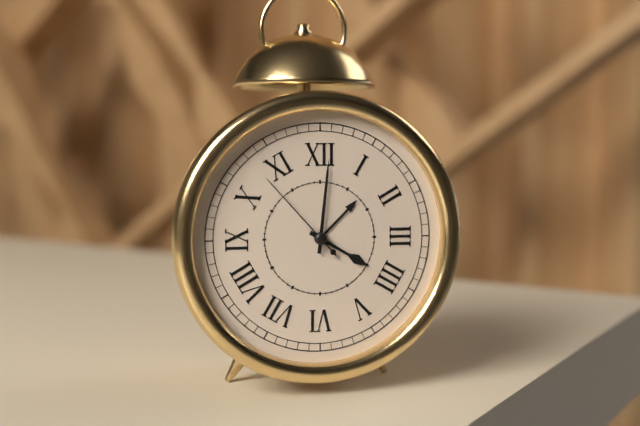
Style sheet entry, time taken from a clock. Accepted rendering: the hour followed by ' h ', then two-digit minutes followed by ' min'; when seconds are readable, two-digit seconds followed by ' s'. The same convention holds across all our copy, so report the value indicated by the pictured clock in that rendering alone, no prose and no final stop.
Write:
4 h 01 min 53 s
